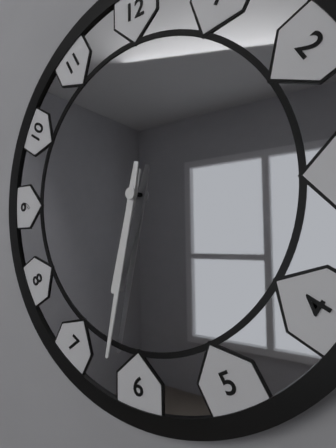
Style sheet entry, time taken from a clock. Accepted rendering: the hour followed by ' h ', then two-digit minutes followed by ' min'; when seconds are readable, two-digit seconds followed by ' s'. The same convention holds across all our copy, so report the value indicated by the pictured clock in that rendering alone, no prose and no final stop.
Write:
6 h 32 min
